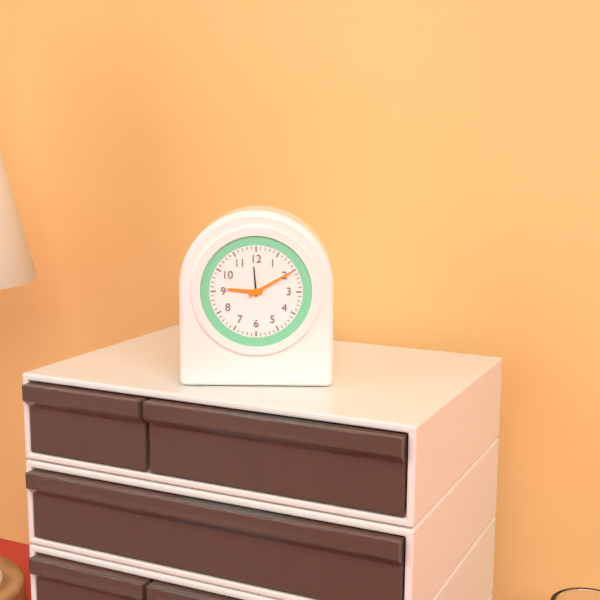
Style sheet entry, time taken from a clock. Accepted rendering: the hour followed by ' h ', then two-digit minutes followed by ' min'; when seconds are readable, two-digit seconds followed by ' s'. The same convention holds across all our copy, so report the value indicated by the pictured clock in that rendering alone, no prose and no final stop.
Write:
9 h 10 min
